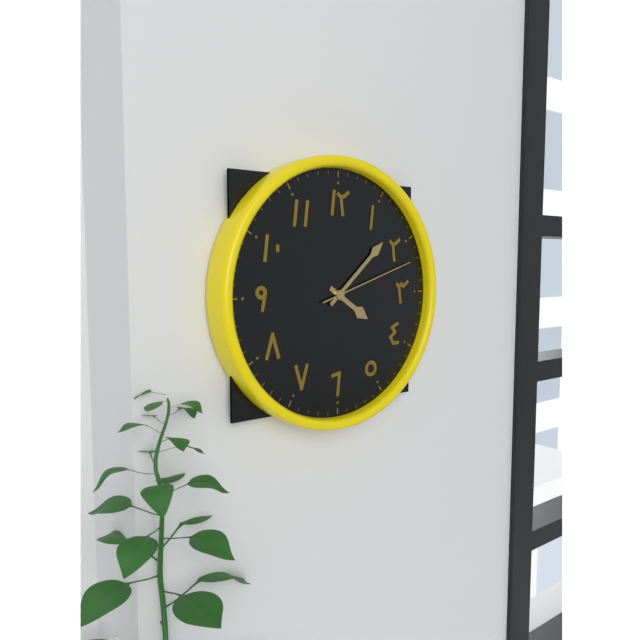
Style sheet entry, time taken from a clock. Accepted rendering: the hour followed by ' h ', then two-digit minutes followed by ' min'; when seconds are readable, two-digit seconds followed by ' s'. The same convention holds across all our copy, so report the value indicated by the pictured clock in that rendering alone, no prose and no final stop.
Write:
4 h 08 min 12 s
